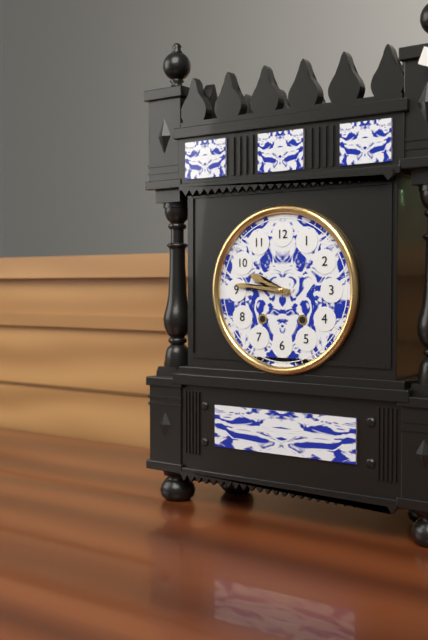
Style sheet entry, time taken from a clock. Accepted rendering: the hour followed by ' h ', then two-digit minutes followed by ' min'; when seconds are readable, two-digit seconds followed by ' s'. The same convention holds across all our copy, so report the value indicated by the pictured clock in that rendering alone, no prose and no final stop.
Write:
9 h 46 min
